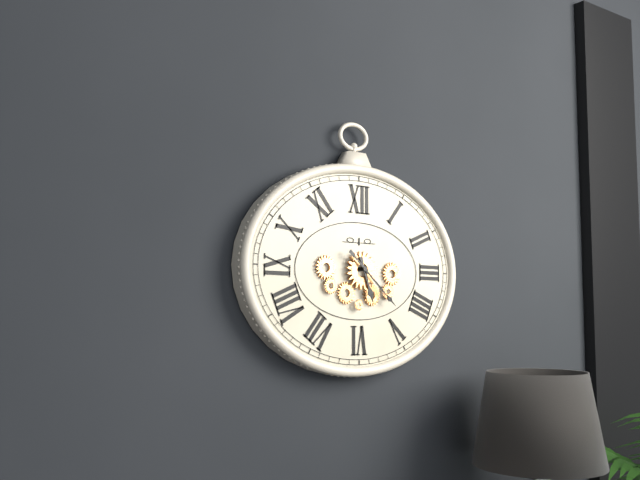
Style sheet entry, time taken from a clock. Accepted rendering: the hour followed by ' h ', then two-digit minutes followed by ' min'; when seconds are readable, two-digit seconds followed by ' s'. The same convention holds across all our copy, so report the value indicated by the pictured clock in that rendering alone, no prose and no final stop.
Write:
5 h 22 min
